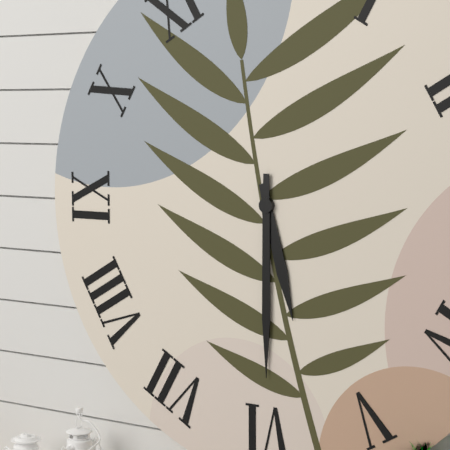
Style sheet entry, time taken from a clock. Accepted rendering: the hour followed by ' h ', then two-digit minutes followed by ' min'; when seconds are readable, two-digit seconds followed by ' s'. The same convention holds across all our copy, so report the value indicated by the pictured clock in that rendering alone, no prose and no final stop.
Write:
5 h 30 min
